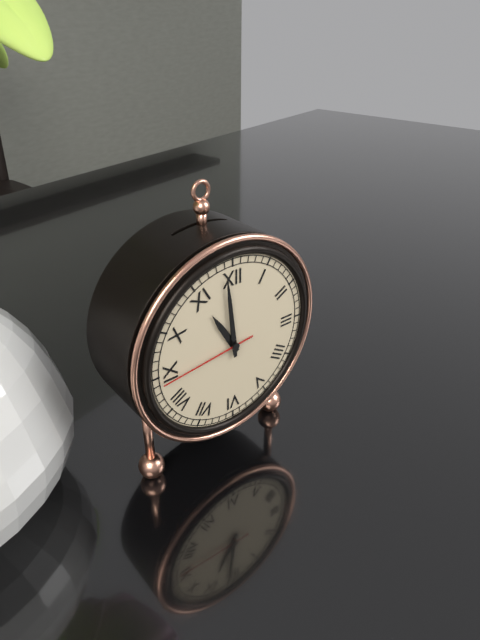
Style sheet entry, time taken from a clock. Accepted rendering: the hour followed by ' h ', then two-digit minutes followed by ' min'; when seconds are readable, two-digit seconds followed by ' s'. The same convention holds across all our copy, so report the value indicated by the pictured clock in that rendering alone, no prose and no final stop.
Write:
10 h 59 min 44 s
